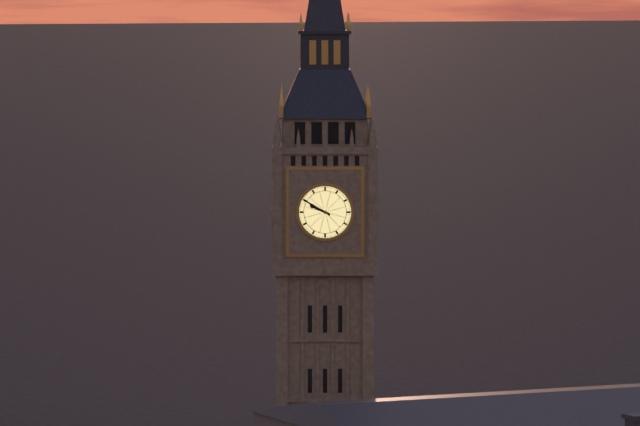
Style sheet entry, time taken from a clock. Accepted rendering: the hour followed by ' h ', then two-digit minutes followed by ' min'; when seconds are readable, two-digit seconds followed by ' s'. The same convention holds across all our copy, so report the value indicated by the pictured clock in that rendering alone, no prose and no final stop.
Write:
9 h 50 min
